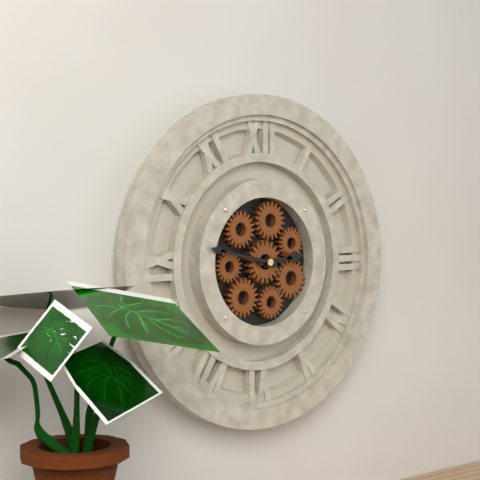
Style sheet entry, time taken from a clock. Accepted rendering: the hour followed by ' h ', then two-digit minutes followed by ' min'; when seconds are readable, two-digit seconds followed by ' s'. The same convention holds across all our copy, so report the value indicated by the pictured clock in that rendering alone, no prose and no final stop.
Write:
2 h 47 min
